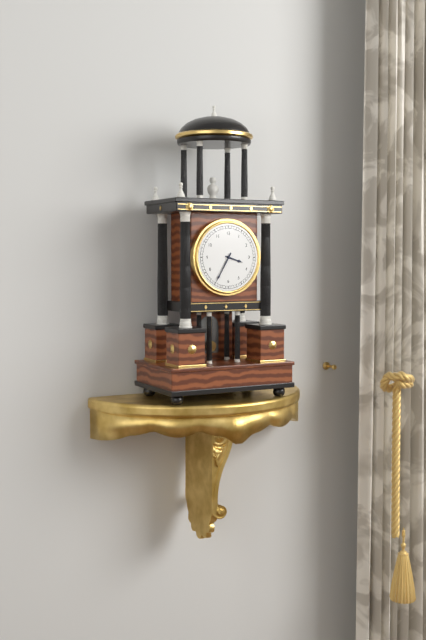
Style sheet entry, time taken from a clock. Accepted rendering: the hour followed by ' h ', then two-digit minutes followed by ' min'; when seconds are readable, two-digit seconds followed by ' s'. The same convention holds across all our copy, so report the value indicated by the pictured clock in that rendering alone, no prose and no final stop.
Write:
3 h 35 min
